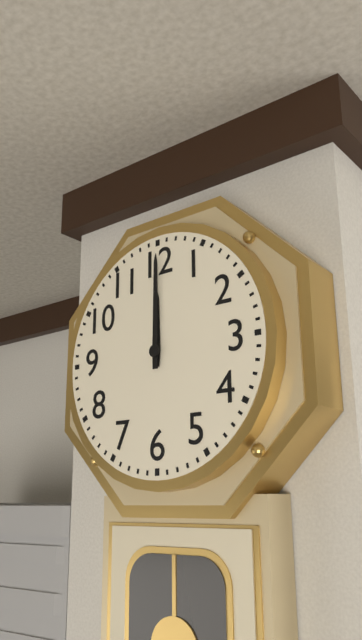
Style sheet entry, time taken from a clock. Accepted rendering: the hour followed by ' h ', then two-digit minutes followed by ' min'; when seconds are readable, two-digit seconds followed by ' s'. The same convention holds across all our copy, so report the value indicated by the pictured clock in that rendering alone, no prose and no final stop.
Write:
12 h 00 min
